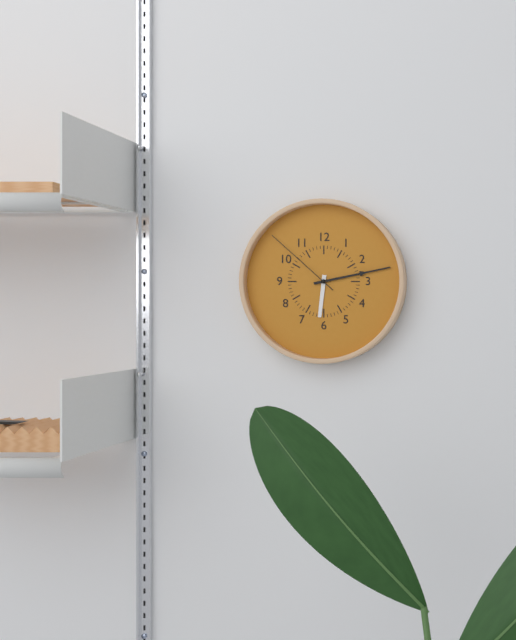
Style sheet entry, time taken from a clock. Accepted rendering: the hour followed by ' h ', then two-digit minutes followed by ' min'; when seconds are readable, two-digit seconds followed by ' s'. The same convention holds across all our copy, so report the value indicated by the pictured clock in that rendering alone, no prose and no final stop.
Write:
6 h 13 min 52 s
